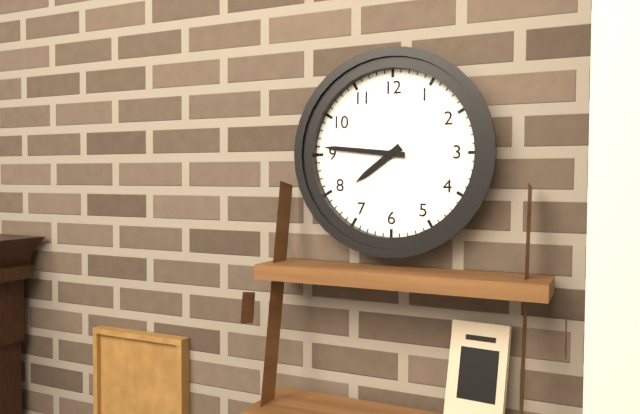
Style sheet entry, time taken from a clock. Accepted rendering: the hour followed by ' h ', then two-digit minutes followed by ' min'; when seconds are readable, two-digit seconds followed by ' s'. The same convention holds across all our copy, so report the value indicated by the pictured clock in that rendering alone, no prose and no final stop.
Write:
7 h 46 min
